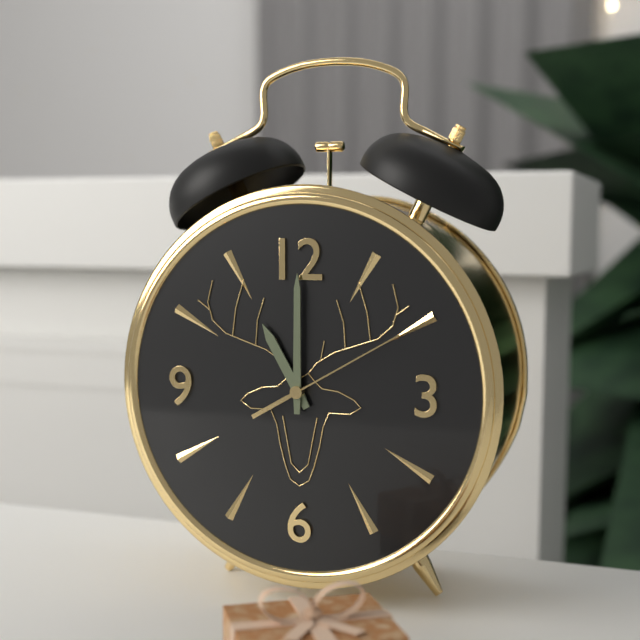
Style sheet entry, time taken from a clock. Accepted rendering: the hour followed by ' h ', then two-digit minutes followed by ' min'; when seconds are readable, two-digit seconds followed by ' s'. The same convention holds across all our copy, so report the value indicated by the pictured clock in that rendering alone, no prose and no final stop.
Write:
11 h 00 min 10 s
